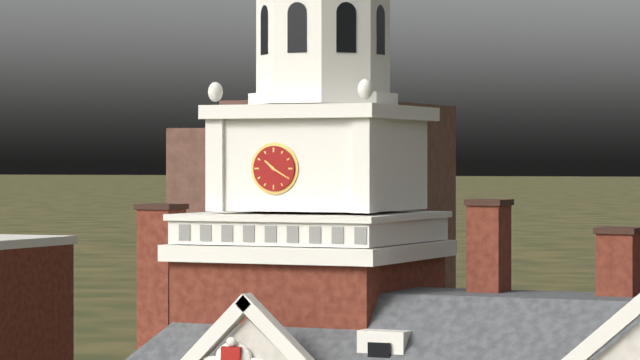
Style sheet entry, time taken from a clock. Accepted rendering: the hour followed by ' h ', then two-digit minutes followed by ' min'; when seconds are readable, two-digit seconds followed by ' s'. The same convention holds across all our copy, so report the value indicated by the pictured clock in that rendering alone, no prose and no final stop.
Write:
10 h 20 min
